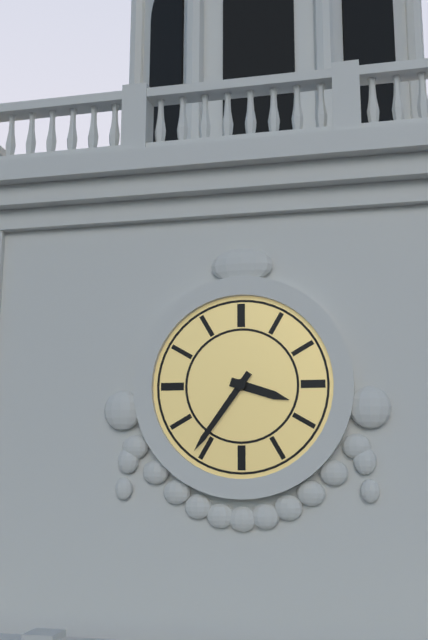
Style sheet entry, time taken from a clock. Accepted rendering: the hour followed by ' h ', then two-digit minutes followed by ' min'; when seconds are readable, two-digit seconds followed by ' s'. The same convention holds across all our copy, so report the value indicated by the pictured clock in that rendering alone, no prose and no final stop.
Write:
3 h 36 min
